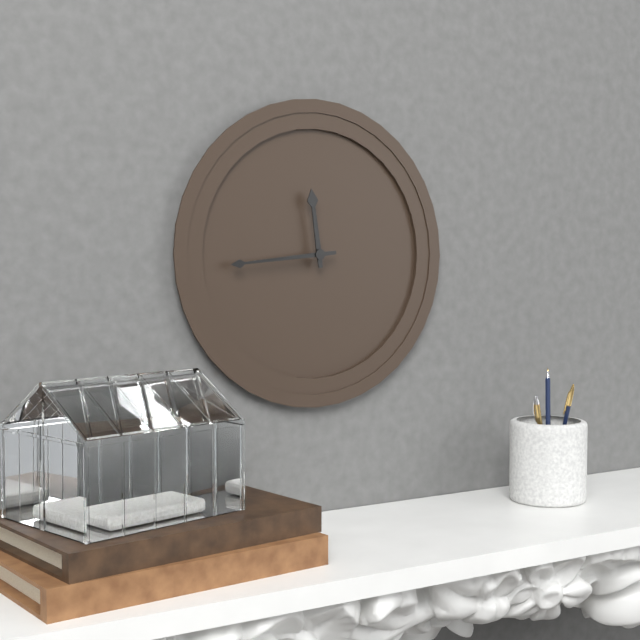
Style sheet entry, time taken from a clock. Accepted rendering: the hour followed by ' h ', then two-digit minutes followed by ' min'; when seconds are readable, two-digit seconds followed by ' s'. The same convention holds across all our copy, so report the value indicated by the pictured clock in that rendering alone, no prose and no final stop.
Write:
11 h 44 min
